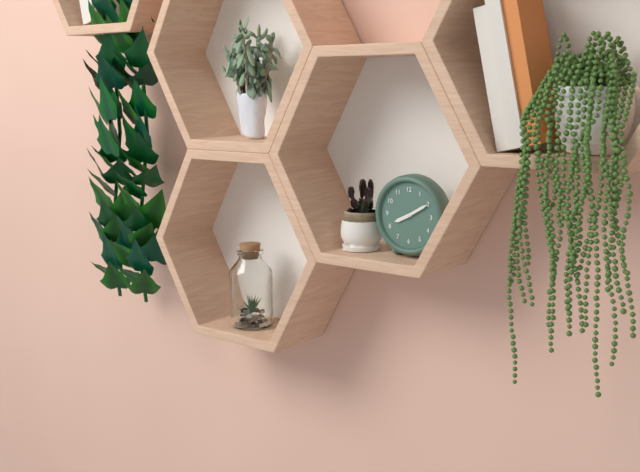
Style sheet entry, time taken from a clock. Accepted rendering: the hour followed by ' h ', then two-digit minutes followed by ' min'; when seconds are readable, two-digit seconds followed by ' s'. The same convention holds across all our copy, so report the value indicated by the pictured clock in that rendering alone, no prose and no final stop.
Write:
8 h 10 min
